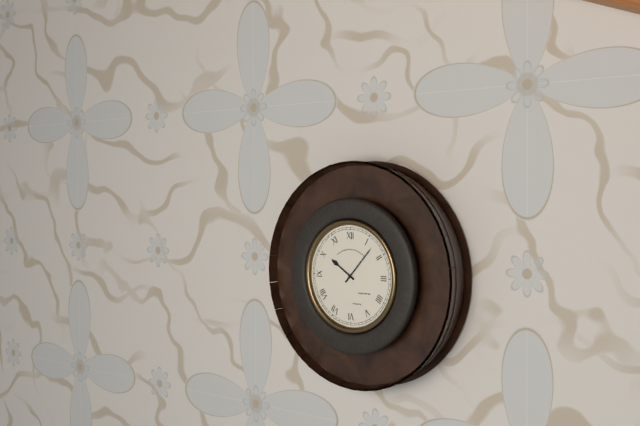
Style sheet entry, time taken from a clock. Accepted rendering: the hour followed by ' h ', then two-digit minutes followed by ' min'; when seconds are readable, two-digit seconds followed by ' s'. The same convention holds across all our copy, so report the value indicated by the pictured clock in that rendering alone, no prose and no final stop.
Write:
10 h 07 min
